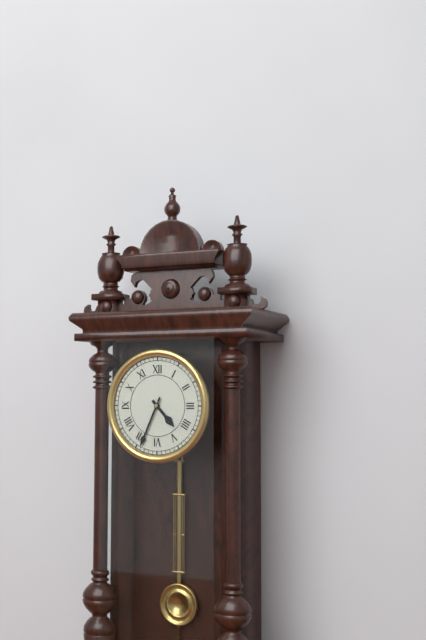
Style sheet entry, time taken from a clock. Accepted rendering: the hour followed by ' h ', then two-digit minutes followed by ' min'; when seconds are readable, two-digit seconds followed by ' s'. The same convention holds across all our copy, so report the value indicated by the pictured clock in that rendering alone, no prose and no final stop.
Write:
4 h 34 min
